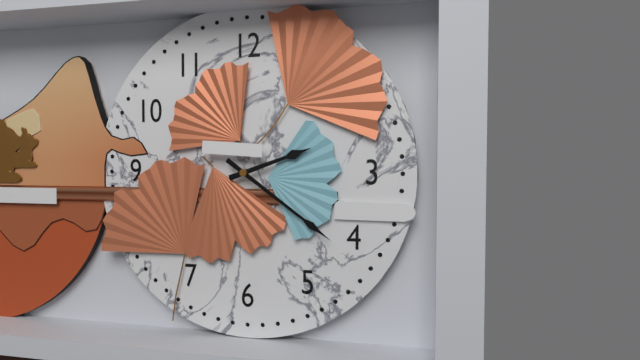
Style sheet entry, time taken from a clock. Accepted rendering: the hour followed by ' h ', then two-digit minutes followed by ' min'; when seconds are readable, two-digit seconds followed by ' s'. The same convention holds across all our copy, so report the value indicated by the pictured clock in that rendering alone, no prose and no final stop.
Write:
2 h 21 min
